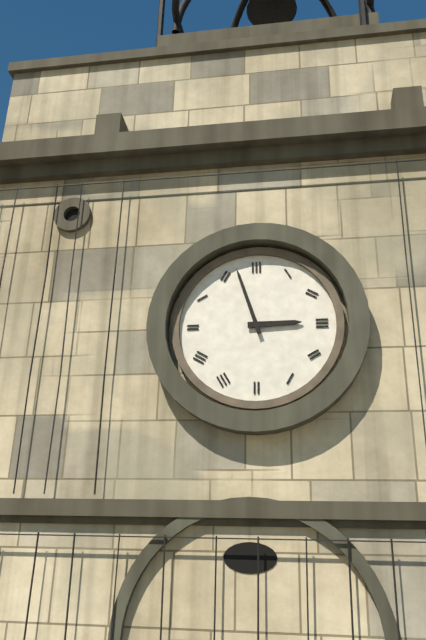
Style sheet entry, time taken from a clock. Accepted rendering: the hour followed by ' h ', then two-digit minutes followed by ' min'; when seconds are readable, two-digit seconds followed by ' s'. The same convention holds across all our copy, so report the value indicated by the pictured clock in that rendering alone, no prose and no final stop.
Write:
2 h 57 min
